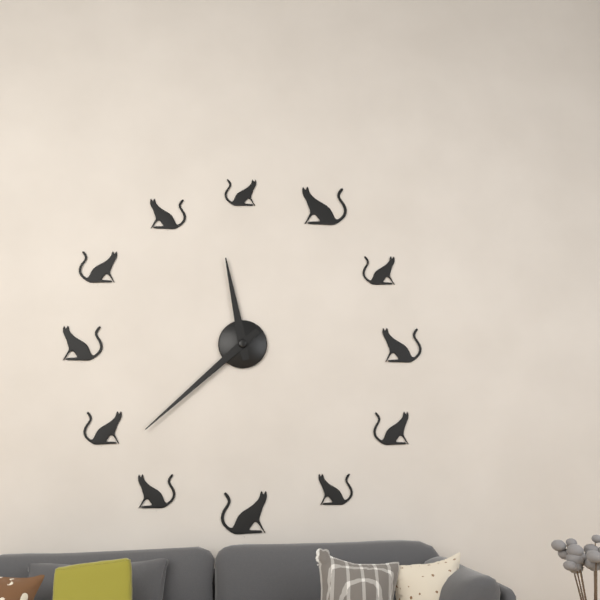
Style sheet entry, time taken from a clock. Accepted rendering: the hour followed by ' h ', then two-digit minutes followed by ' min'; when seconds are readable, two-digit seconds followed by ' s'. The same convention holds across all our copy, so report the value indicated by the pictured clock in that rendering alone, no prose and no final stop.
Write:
11 h 38 min
